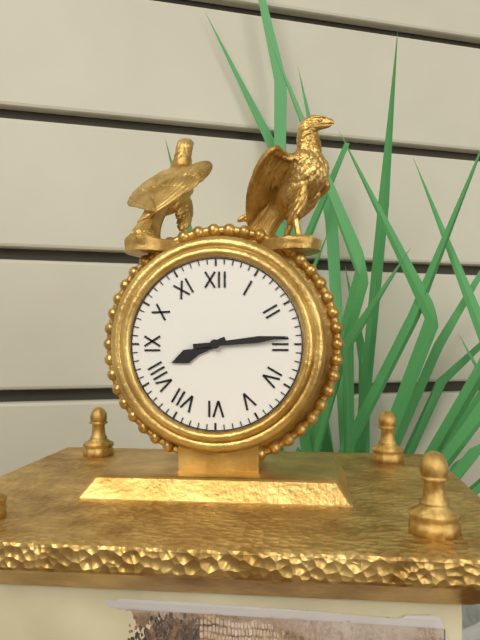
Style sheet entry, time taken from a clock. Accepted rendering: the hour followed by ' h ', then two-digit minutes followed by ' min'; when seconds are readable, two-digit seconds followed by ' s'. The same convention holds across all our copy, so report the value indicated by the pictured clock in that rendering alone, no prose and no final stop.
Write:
8 h 14 min
